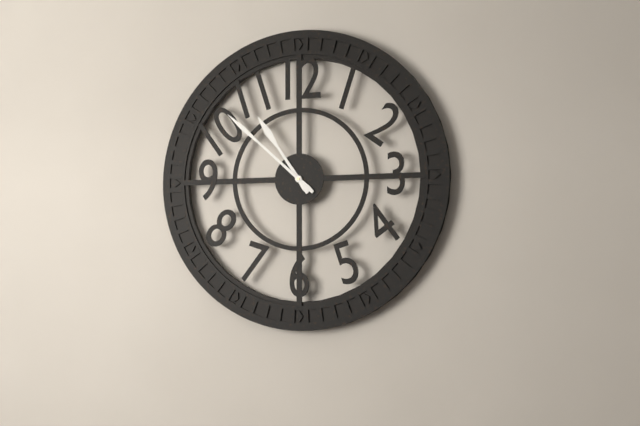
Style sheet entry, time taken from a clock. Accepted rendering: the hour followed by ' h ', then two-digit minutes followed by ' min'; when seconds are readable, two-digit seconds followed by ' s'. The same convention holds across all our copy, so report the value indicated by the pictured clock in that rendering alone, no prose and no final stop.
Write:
10 h 52 min
